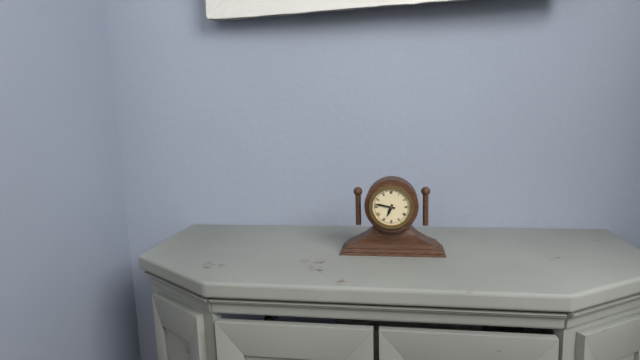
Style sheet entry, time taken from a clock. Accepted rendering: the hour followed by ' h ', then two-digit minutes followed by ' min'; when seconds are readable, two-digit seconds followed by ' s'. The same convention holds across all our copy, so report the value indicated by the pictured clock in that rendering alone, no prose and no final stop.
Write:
6 h 47 min
